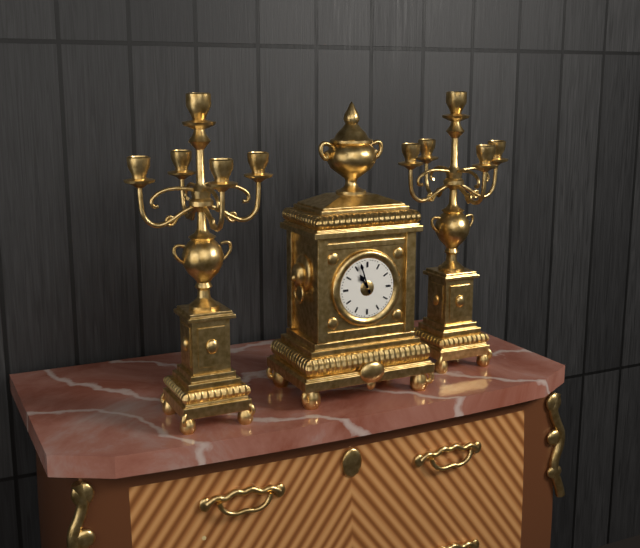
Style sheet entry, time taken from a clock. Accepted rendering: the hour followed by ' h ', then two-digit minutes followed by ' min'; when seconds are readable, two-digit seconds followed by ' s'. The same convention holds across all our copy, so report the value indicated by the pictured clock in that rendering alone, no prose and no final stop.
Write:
10 h 57 min
